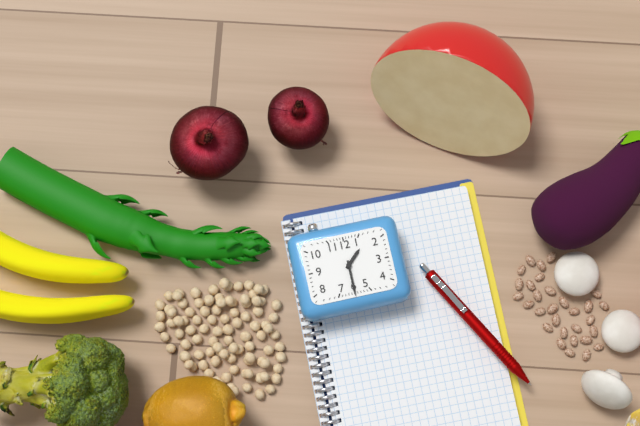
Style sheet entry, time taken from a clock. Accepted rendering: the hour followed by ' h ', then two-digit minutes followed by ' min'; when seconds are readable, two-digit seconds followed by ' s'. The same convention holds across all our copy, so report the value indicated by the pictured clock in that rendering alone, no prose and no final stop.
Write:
1 h 30 min
